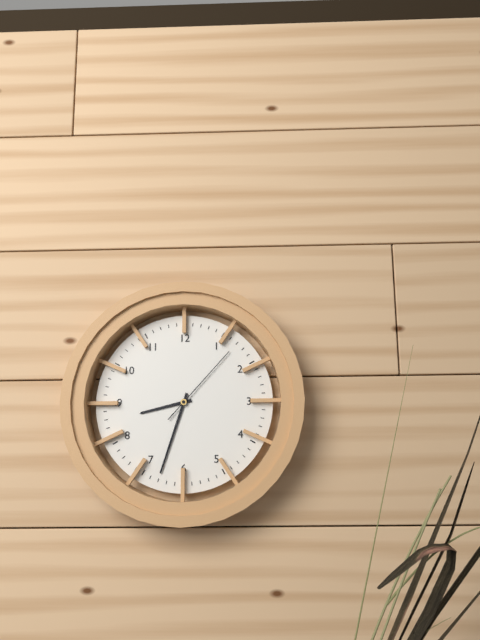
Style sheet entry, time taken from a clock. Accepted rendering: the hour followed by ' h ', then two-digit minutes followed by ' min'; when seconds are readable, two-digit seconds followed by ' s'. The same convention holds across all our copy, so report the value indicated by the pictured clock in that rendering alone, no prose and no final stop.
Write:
8 h 33 min 07 s
